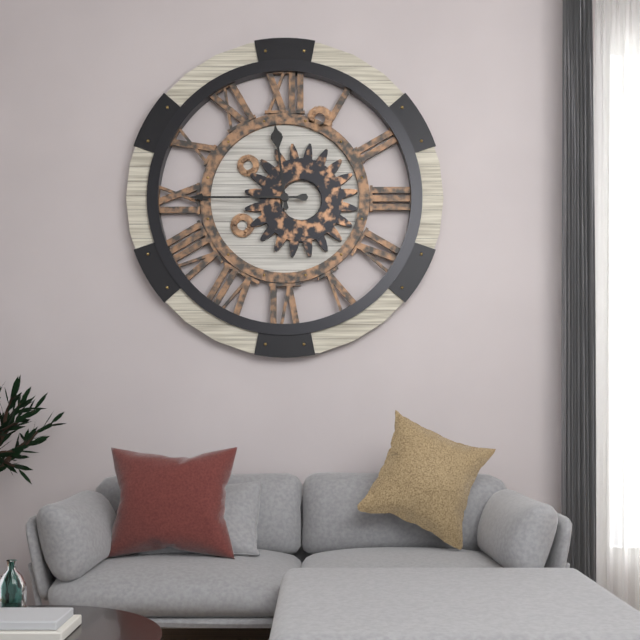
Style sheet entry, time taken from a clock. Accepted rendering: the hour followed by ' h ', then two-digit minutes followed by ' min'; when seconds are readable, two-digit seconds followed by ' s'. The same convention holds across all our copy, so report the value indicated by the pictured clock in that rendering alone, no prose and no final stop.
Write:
11 h 45 min
